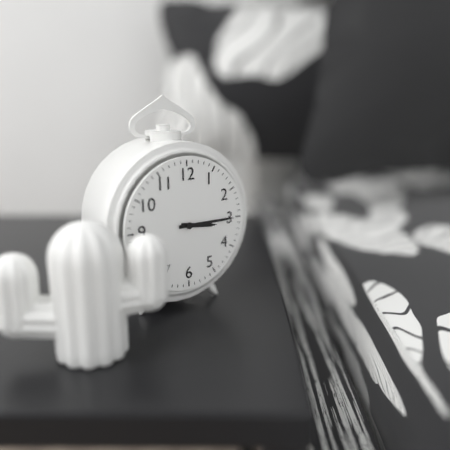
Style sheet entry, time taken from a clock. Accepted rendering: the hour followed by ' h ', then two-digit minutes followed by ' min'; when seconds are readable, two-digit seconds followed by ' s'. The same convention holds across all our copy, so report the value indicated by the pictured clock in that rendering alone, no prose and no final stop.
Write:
3 h 15 min
